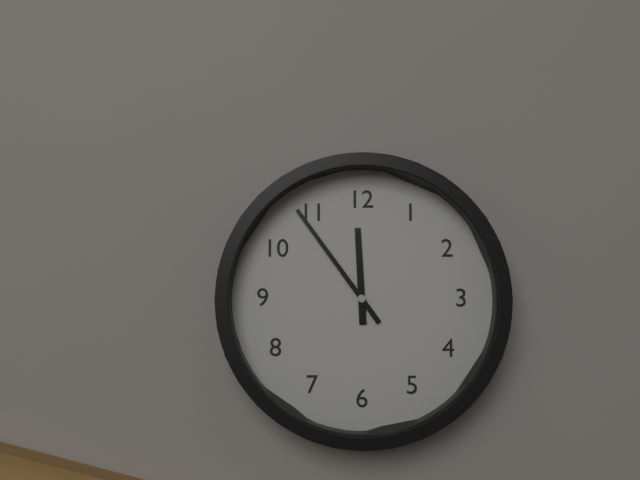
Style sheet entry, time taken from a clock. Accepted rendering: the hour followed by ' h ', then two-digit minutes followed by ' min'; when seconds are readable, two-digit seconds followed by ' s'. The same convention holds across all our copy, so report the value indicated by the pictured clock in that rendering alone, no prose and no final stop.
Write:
11 h 54 min
